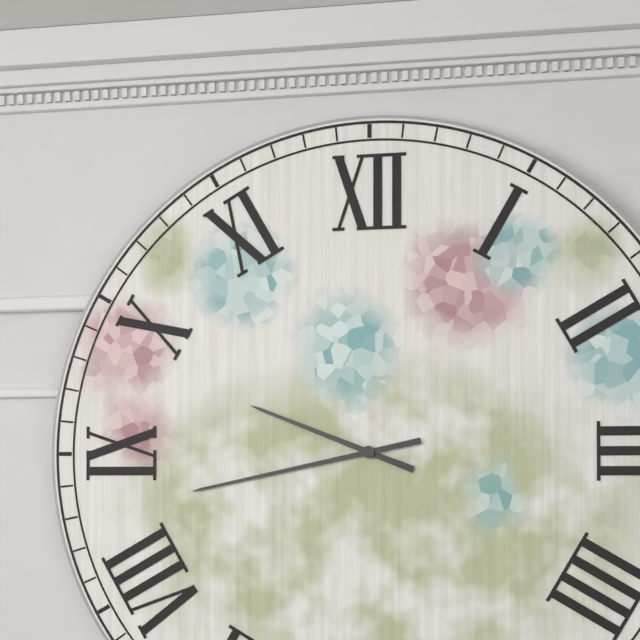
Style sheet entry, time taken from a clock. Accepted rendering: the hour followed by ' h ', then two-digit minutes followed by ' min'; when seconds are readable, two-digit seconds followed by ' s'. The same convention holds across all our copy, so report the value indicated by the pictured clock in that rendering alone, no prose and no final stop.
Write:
9 h 43 min
